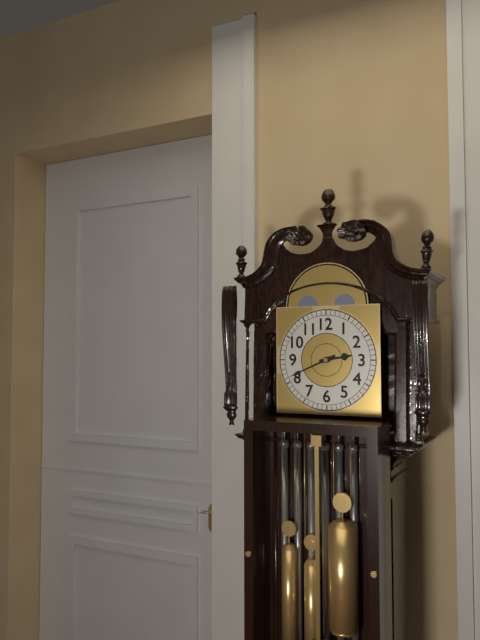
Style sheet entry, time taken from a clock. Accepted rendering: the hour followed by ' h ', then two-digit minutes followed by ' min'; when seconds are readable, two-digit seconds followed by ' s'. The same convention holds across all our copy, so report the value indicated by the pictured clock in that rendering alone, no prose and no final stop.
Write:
2 h 41 min
